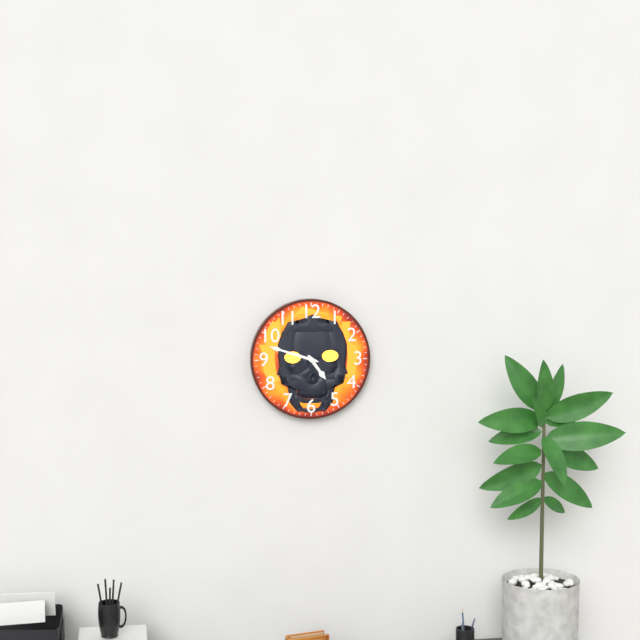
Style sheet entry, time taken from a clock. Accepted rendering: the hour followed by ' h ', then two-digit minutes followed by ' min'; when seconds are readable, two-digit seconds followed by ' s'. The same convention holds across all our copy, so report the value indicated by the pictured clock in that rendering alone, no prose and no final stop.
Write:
4 h 48 min
